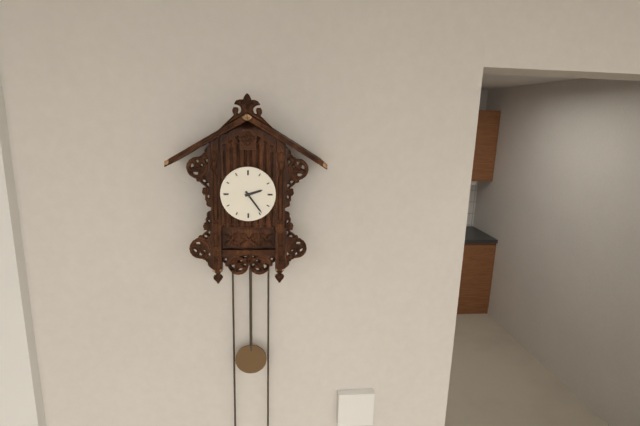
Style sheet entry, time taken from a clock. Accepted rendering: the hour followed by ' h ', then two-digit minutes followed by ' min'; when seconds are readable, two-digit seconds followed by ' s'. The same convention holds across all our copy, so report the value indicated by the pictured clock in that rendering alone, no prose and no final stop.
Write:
2 h 24 min
